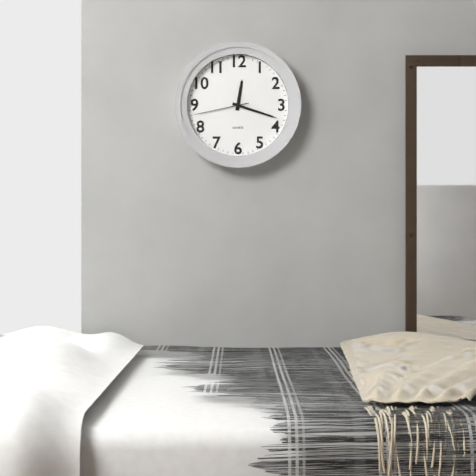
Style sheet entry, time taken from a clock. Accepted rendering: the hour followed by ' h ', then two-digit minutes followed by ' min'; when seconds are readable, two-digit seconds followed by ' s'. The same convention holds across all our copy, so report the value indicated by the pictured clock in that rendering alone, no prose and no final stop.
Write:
12 h 18 min 43 s
